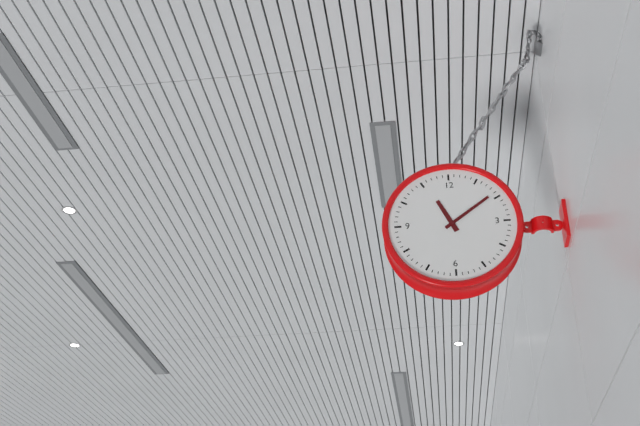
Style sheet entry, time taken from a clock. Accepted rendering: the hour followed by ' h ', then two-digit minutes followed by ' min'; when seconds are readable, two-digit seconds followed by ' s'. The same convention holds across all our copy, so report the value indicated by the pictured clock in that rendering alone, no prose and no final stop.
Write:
11 h 09 min
